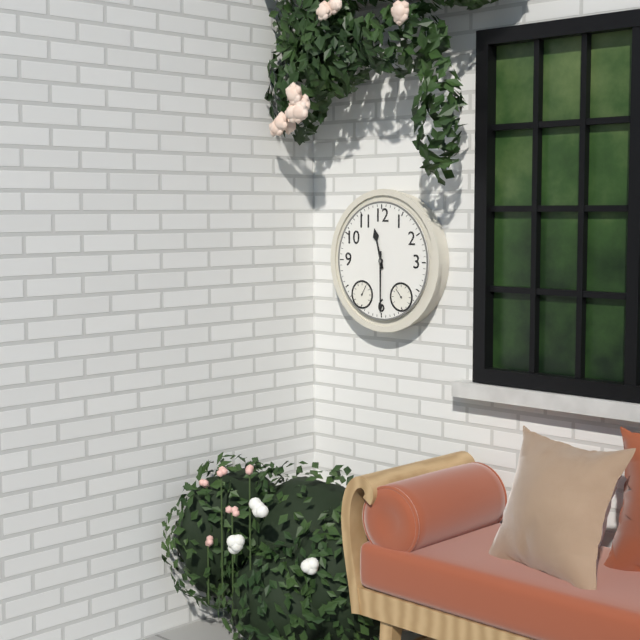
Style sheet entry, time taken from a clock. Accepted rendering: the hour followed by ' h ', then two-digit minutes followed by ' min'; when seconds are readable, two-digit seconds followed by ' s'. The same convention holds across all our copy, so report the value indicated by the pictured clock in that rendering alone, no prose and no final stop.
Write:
11 h 30 min
